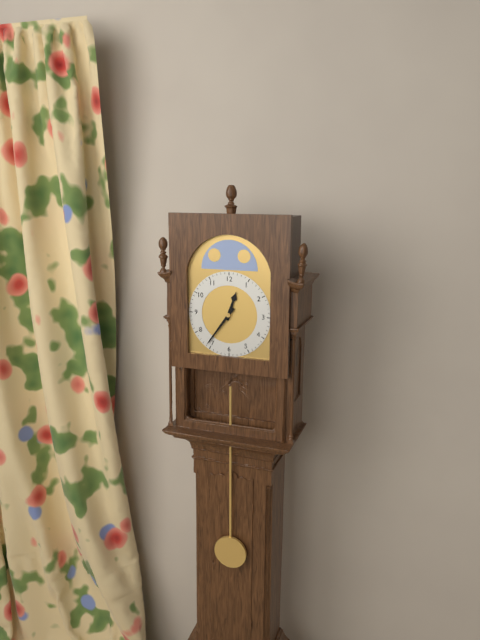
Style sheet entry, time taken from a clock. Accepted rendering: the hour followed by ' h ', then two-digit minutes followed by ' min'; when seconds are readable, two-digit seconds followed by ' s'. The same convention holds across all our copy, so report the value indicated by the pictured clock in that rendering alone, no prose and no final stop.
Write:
12 h 36 min
